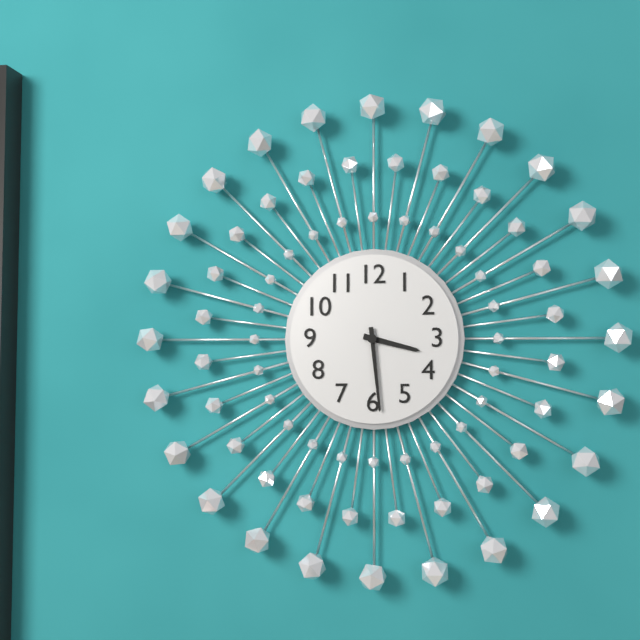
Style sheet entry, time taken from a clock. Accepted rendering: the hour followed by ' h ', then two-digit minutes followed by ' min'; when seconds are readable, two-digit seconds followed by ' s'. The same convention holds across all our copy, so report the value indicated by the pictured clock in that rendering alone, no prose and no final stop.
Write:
3 h 29 min
